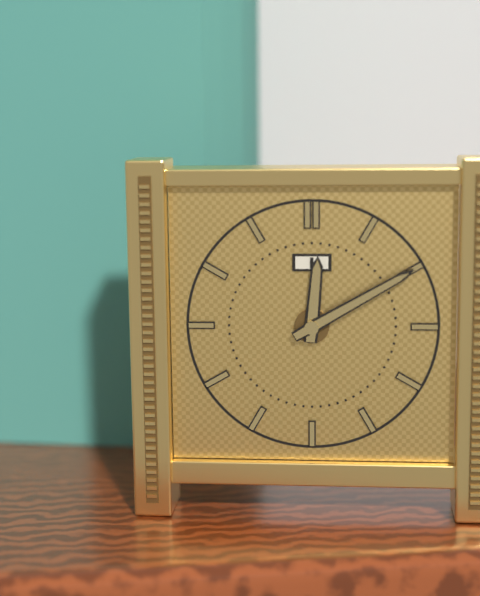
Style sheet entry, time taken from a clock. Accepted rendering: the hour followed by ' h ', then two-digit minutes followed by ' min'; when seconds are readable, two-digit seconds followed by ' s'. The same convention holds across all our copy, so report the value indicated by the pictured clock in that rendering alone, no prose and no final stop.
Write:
12 h 10 min
